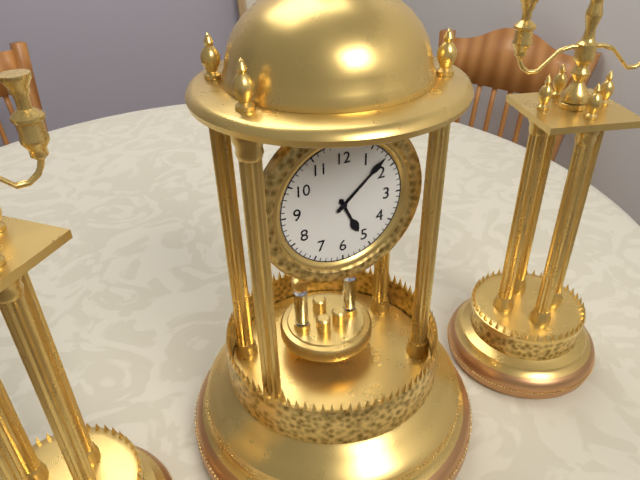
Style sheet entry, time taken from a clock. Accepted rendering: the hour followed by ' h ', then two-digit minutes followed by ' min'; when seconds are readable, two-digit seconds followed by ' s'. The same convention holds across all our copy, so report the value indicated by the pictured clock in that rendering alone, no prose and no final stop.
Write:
5 h 08 min
